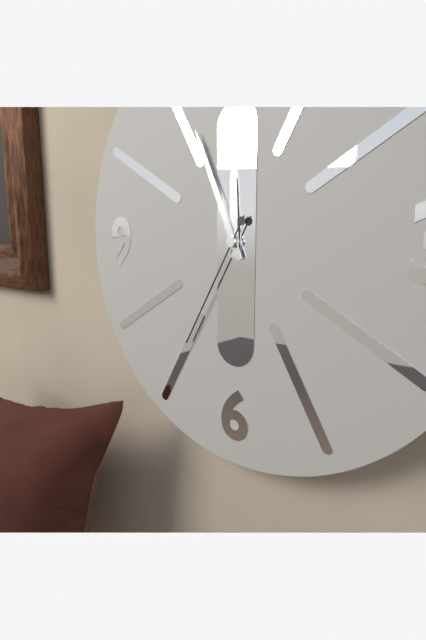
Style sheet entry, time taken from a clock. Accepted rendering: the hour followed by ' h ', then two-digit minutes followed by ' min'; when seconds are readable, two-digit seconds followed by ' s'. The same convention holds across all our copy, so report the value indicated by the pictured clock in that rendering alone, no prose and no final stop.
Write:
11 h 56 min 35 s
